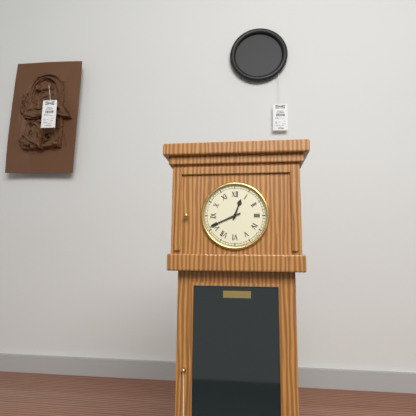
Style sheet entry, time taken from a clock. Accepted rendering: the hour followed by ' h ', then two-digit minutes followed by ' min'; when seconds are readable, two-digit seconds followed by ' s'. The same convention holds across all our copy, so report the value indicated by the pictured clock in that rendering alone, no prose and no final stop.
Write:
12 h 41 min
